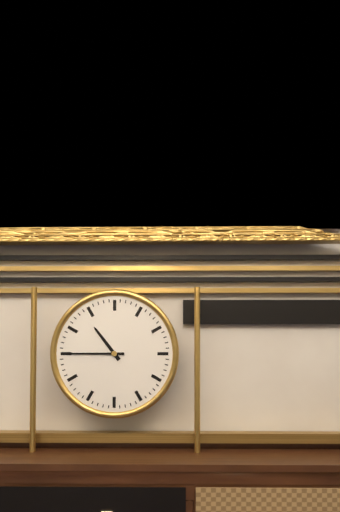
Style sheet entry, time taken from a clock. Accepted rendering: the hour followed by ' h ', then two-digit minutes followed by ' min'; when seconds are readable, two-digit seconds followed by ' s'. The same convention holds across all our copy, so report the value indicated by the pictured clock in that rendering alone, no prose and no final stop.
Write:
10 h 45 min
